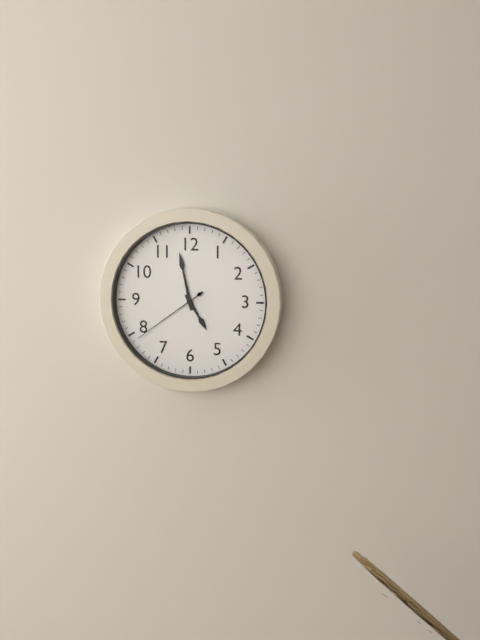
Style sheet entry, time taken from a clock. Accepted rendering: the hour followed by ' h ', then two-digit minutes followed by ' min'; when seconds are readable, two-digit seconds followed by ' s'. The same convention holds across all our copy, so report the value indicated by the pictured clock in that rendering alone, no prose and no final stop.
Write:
4 h 58 min 39 s
